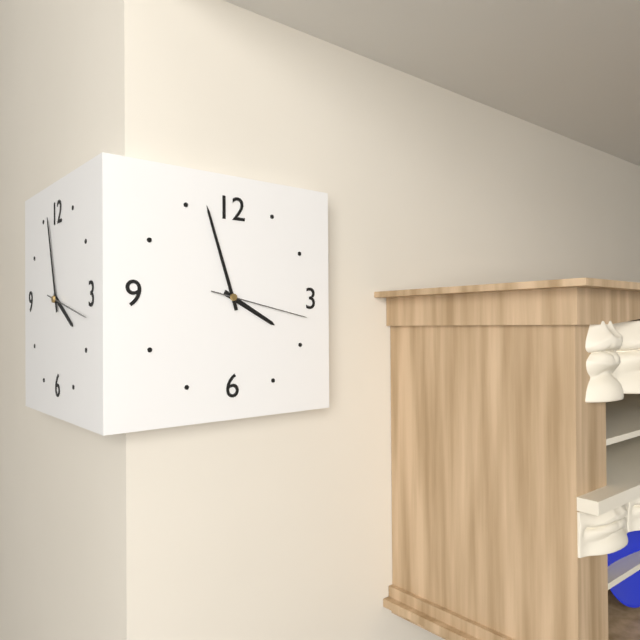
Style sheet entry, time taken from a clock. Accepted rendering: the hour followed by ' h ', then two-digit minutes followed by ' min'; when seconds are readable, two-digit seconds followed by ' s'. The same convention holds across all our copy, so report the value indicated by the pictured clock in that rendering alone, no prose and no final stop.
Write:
3 h 57 min 17 s
